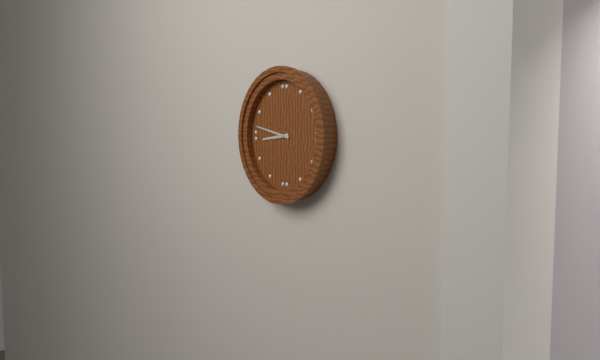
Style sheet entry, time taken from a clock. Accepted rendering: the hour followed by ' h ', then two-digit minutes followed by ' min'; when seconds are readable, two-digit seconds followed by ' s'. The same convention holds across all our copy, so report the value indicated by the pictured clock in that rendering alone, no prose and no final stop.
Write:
8 h 47 min
